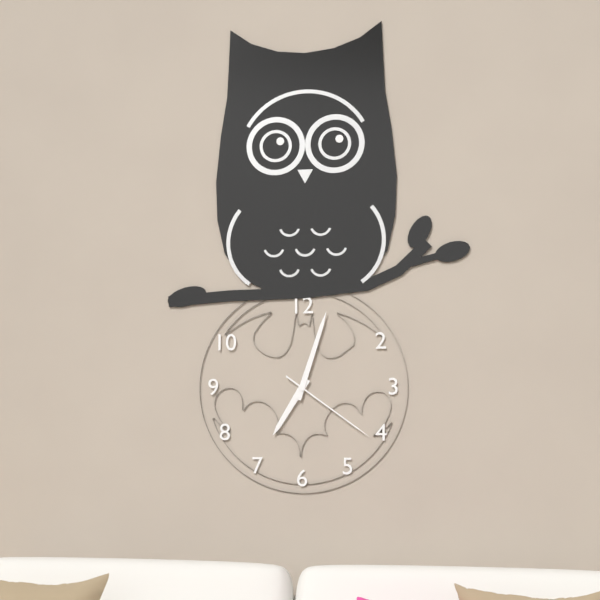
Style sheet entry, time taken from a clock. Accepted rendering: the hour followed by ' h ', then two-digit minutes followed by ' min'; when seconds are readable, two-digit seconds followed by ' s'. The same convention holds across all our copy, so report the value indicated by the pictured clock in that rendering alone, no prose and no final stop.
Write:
7 h 03 min 21 s
